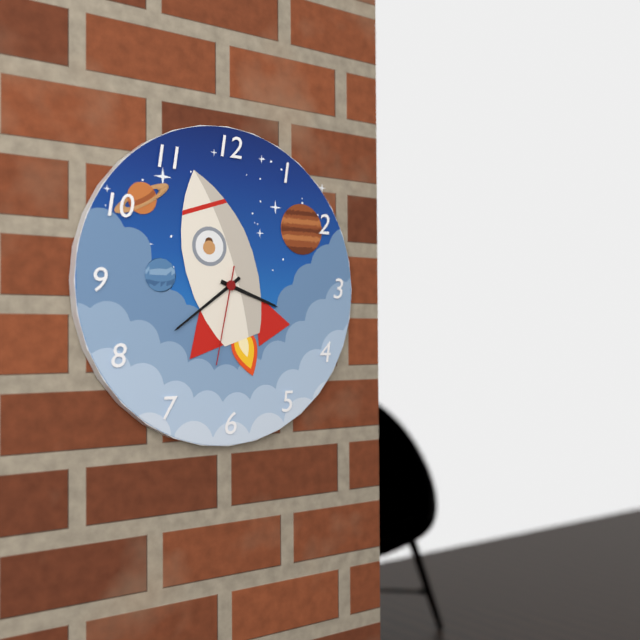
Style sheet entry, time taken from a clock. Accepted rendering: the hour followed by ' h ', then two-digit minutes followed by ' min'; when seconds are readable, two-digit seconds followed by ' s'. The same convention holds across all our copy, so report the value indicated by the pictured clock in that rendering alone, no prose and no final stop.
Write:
3 h 39 min 32 s
